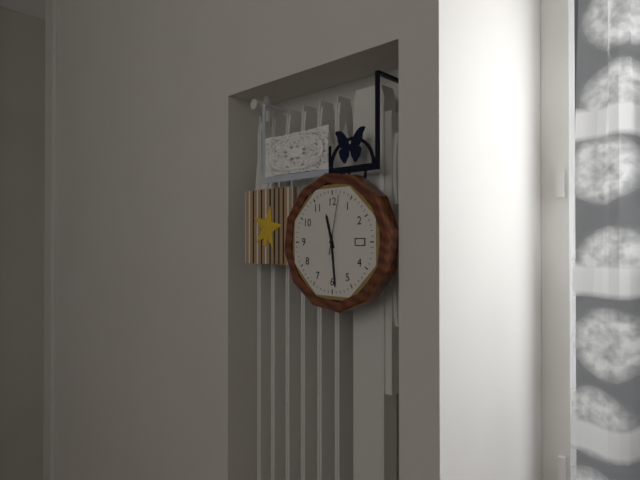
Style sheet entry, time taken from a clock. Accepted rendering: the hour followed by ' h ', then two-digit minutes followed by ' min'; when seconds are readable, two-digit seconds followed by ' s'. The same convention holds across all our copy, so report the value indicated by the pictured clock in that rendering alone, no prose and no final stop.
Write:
11 h 29 min 02 s
